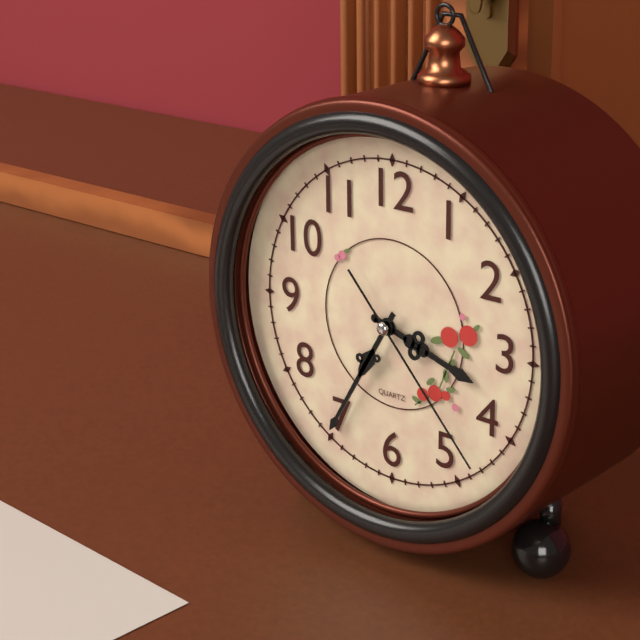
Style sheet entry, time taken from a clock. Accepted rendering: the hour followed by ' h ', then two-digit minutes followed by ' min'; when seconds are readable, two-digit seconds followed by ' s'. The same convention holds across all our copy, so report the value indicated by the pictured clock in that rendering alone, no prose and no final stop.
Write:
3 h 35 min 23 s
